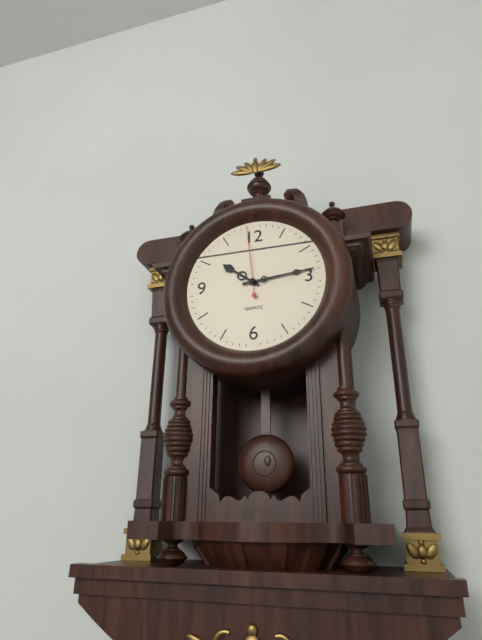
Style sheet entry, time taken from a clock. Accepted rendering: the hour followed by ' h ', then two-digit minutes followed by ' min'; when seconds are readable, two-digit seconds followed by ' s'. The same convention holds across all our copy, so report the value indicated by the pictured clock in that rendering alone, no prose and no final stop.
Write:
10 h 14 min 59 s
